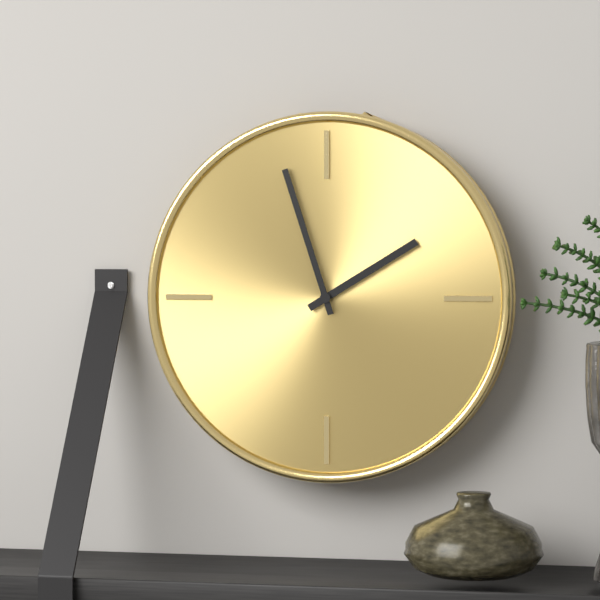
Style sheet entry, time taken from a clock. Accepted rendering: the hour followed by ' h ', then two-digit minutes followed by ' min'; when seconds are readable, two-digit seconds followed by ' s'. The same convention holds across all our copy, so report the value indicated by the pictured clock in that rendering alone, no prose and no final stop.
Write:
1 h 57 min
